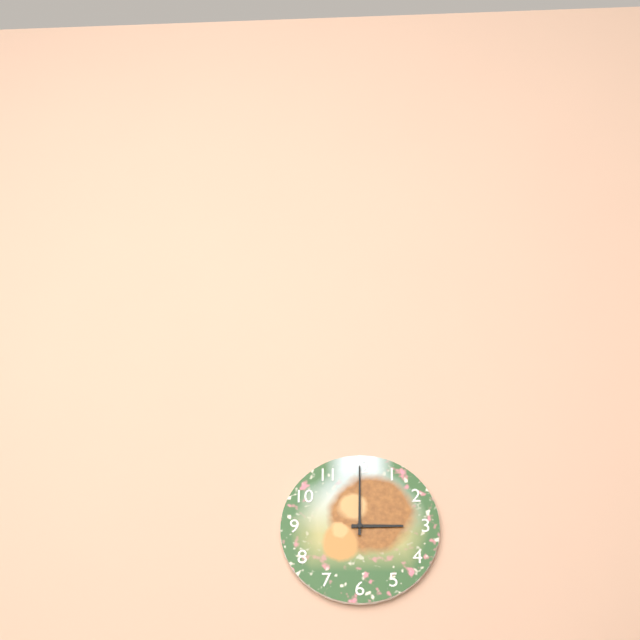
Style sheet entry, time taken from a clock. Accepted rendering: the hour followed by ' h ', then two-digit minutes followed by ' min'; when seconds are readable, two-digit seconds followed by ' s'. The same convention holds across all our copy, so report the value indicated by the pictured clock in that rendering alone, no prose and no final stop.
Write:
3 h 00 min
